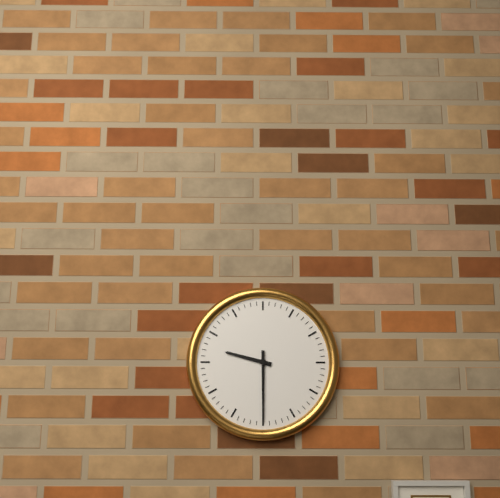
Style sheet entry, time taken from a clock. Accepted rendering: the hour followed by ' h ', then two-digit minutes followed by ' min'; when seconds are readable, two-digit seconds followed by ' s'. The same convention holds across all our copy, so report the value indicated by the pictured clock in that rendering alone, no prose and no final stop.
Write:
9 h 30 min
